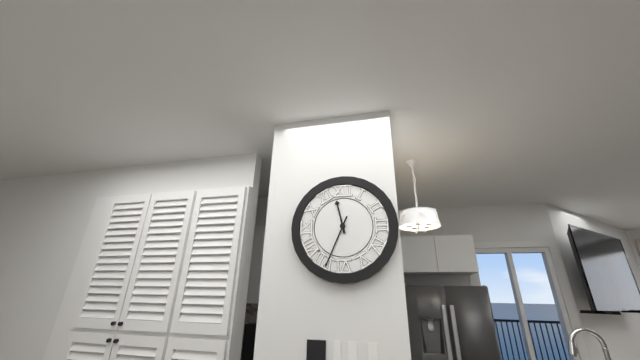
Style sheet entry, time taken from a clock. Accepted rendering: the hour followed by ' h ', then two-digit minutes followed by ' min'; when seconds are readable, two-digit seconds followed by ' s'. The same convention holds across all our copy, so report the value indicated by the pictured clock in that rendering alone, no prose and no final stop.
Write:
11 h 34 min
